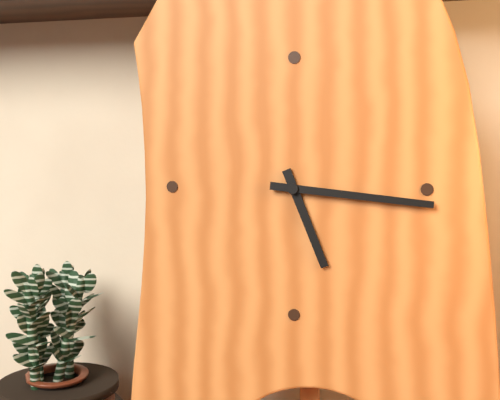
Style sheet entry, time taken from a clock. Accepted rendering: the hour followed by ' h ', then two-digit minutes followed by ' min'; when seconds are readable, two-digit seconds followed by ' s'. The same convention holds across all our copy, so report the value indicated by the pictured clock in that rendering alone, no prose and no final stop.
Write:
5 h 16 min
